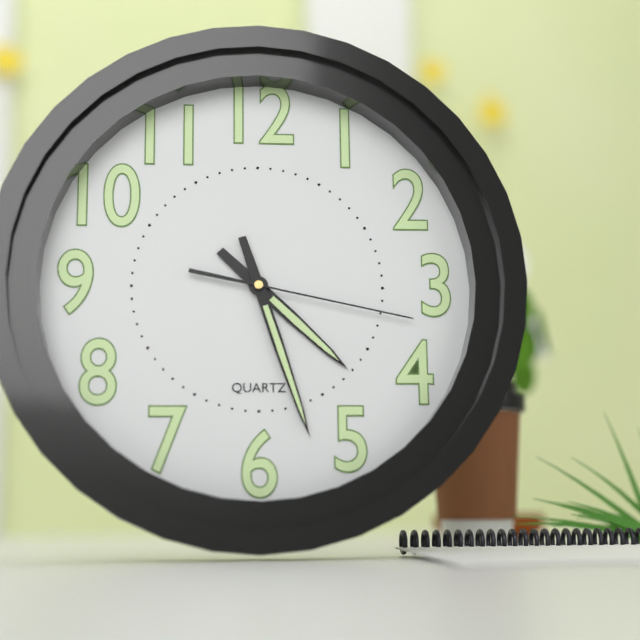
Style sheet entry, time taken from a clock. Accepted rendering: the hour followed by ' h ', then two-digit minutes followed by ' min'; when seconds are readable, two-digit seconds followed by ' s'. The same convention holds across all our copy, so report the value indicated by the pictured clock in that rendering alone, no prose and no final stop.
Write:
4 h 27 min 17 s
